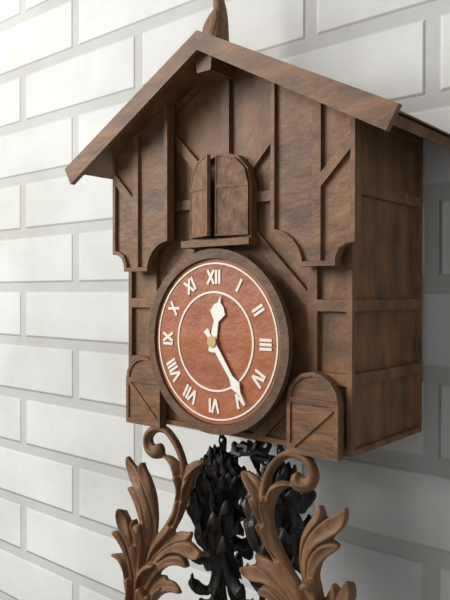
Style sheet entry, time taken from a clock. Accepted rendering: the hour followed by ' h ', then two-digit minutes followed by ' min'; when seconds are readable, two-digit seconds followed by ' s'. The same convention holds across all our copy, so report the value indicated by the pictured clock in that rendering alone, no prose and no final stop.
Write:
12 h 24 min
